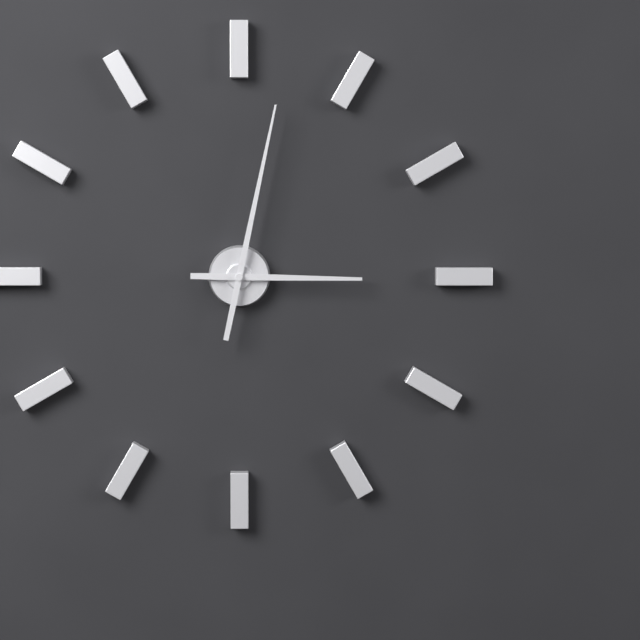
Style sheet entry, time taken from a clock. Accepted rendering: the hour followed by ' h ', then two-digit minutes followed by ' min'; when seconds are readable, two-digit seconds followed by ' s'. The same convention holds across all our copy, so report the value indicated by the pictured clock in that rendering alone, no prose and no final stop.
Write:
3 h 02 min
